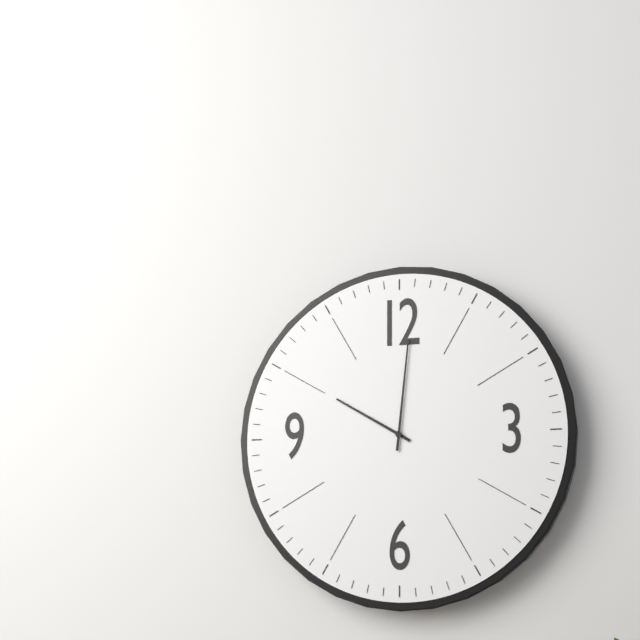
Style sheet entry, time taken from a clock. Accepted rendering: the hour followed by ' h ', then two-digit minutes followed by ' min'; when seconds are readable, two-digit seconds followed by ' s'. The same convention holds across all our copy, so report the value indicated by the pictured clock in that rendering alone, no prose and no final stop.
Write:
10 h 01 min
